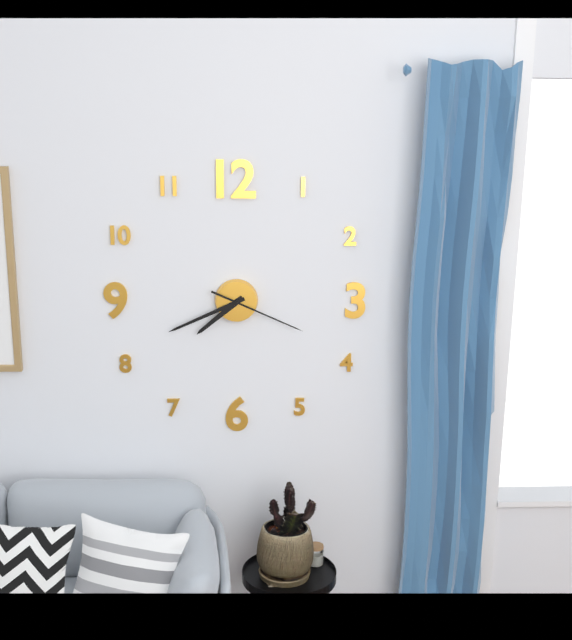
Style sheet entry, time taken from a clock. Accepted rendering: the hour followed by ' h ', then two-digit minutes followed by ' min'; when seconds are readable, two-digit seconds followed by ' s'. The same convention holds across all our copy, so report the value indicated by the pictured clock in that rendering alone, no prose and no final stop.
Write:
7 h 41 min 19 s
